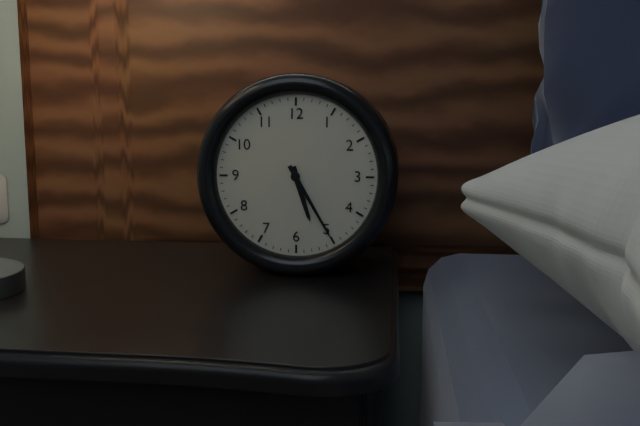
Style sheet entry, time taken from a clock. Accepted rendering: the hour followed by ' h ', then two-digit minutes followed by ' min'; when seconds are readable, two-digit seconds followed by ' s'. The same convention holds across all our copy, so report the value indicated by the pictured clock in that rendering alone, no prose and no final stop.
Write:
5 h 25 min
